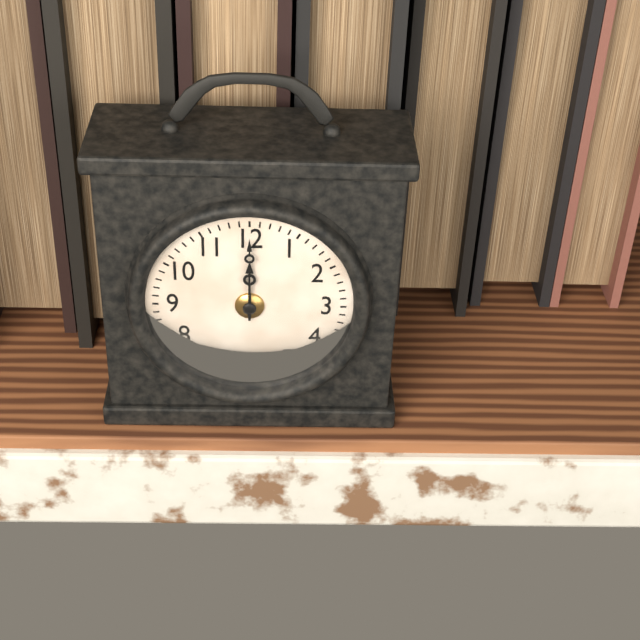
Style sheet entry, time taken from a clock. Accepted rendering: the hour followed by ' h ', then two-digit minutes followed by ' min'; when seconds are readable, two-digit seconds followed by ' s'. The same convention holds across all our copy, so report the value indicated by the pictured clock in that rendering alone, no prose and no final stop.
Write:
12 h 00 min
